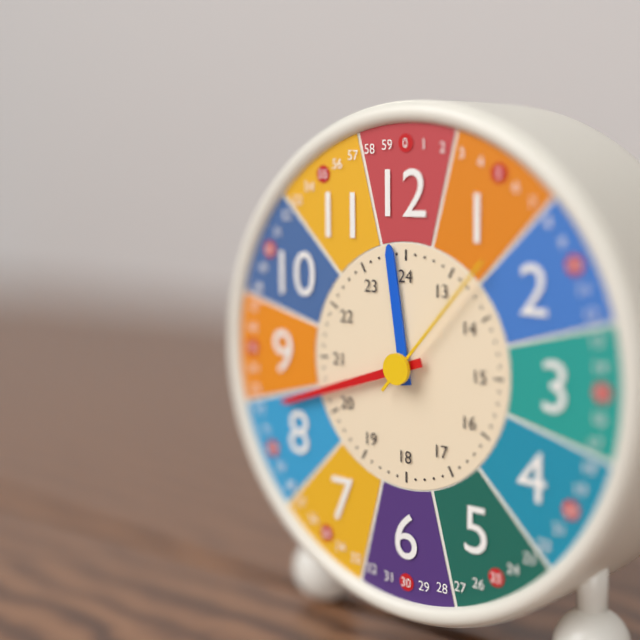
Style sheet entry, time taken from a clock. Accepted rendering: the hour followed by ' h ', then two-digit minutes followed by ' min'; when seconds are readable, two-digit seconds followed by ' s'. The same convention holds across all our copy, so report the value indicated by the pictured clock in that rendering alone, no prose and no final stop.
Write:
11 h 42 min 07 s
